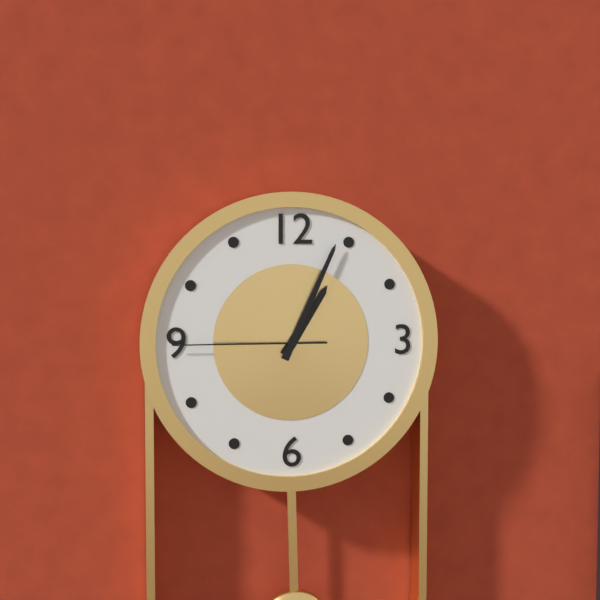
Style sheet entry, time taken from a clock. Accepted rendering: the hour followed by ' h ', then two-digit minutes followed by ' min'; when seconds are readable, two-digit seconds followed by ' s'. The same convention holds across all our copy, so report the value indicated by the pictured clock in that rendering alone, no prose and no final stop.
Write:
1 h 04 min 45 s
